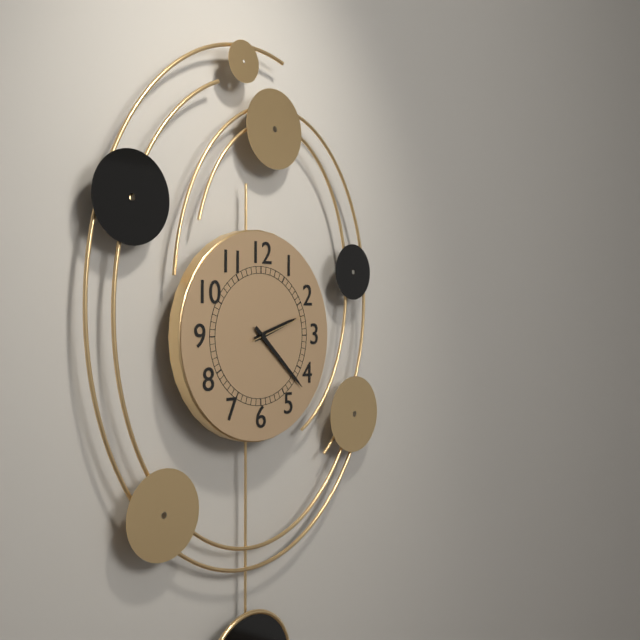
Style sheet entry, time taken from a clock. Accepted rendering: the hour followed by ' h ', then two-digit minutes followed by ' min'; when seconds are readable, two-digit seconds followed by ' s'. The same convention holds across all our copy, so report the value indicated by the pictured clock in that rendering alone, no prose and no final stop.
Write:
2 h 22 min 12 s
